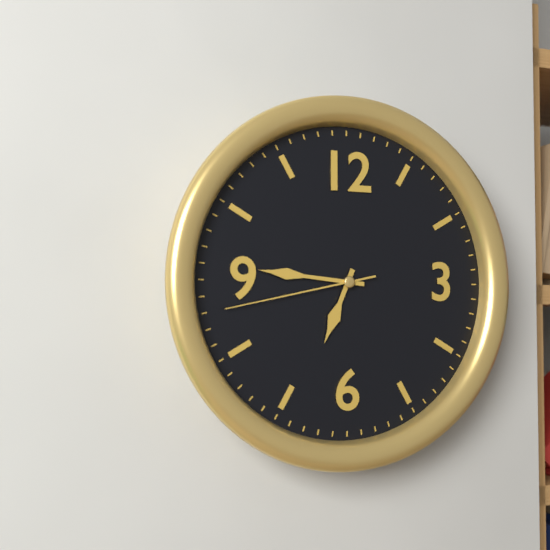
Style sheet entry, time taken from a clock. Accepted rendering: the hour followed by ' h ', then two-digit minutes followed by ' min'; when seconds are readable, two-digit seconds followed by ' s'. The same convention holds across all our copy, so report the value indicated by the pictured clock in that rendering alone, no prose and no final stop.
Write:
6 h 46 min 43 s
